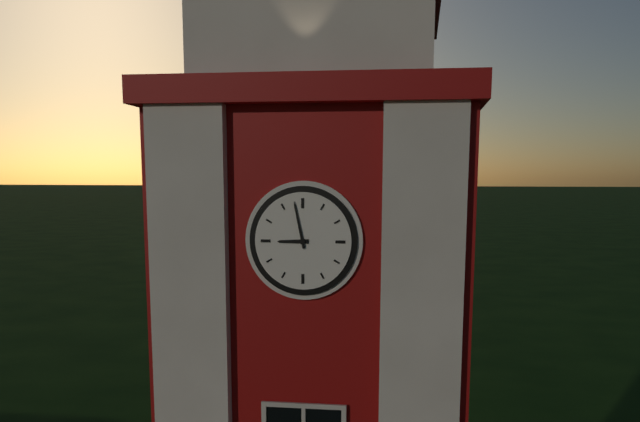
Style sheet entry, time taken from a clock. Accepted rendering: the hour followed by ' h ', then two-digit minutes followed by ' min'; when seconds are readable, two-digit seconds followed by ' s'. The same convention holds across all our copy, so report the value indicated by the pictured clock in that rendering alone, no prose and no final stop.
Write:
8 h 58 min
